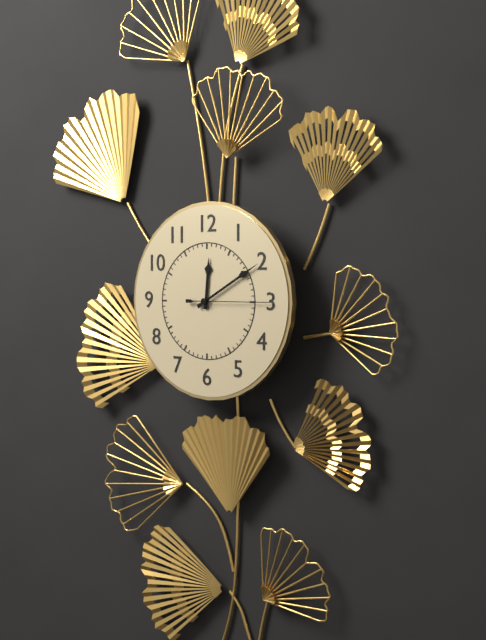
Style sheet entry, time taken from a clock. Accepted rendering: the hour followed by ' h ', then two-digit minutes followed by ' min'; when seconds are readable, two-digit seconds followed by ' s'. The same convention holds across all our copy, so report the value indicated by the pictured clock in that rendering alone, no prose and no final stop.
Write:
12 h 10 min 15 s
